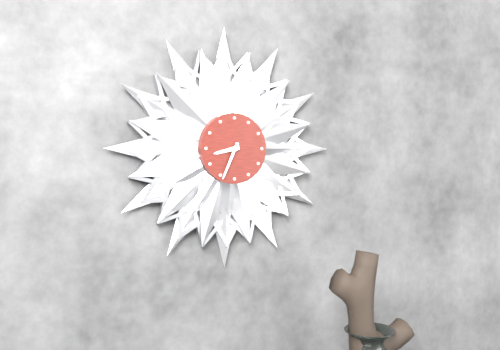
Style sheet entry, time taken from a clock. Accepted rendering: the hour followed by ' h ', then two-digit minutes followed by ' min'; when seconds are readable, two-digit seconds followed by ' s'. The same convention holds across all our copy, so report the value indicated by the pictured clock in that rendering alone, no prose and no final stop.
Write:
8 h 34 min
